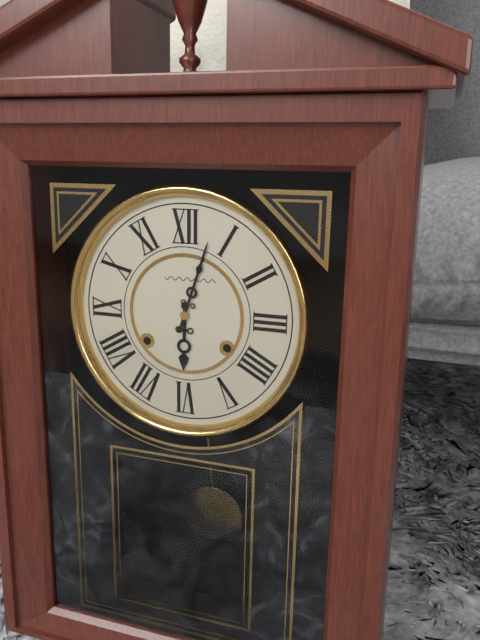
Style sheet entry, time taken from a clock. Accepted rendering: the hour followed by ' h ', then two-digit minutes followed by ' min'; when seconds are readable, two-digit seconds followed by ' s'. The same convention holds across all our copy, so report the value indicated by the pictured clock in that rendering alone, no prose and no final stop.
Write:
6 h 03 min
